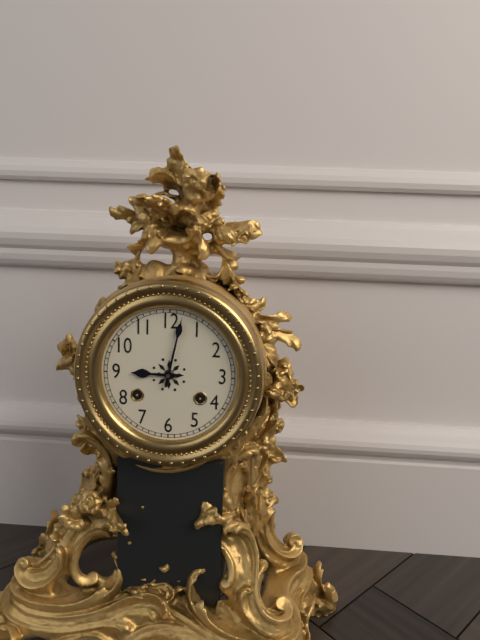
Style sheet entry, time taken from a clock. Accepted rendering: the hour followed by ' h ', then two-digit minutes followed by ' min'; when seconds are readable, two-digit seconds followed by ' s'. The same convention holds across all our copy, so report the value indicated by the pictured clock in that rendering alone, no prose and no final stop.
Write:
9 h 02 min
